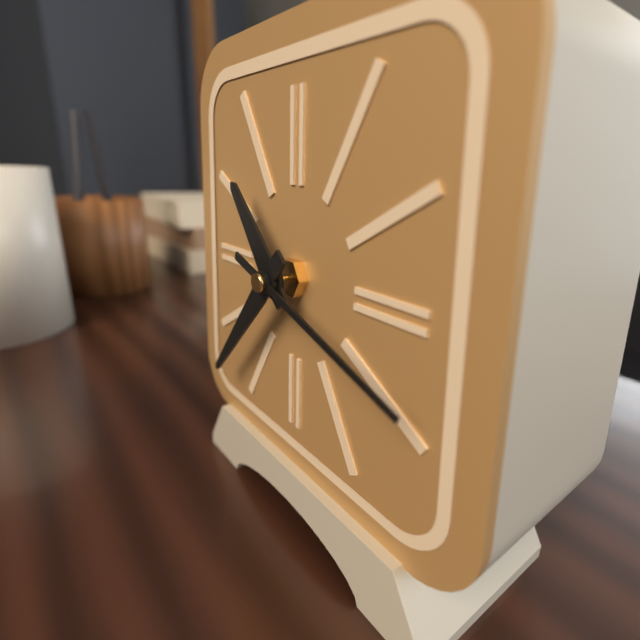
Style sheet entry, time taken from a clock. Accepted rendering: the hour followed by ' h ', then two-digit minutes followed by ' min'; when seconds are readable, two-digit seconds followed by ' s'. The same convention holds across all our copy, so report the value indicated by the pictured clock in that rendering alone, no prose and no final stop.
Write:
10 h 37 min 18 s
